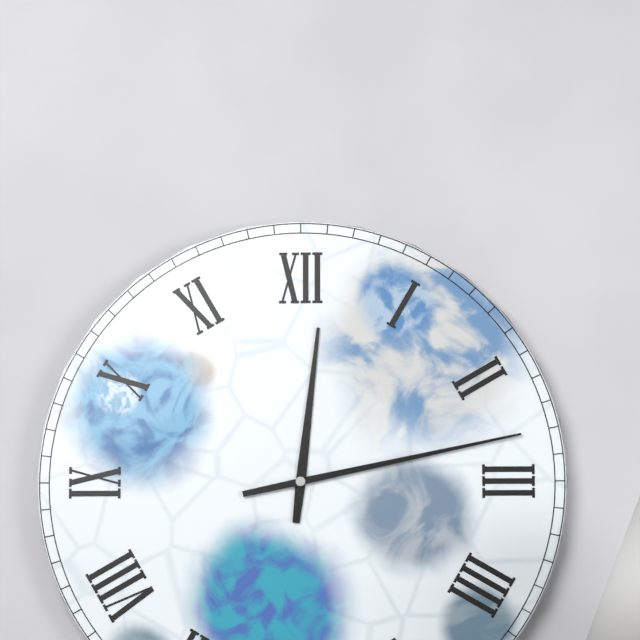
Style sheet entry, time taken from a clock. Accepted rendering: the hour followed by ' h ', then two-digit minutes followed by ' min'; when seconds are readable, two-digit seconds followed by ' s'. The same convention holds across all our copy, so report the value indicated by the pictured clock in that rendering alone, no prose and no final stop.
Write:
12 h 13 min
